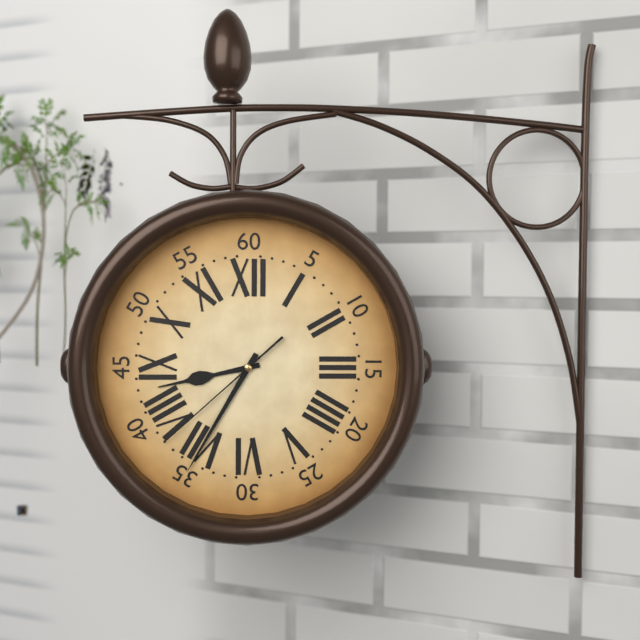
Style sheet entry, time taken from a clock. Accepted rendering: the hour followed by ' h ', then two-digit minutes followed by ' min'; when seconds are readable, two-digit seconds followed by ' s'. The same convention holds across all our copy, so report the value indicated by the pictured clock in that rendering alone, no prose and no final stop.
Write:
8 h 35 min 38 s
